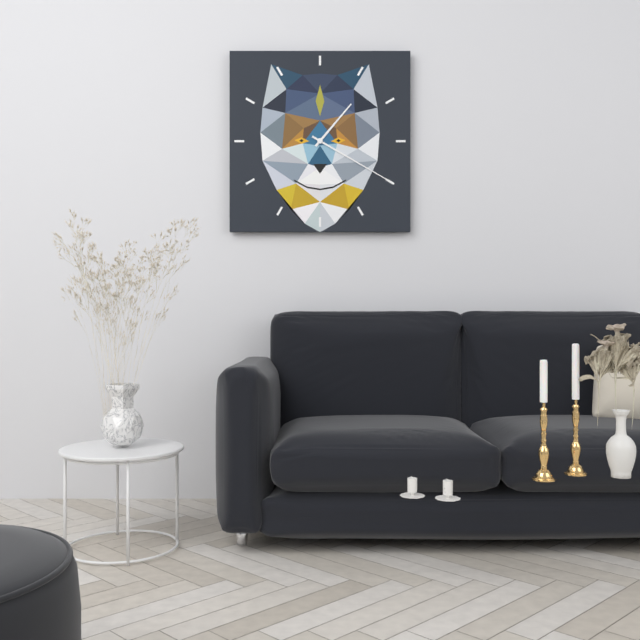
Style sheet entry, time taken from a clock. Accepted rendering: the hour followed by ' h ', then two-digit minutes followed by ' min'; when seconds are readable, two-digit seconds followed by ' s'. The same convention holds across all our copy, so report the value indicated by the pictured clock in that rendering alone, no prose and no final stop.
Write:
1 h 20 min
